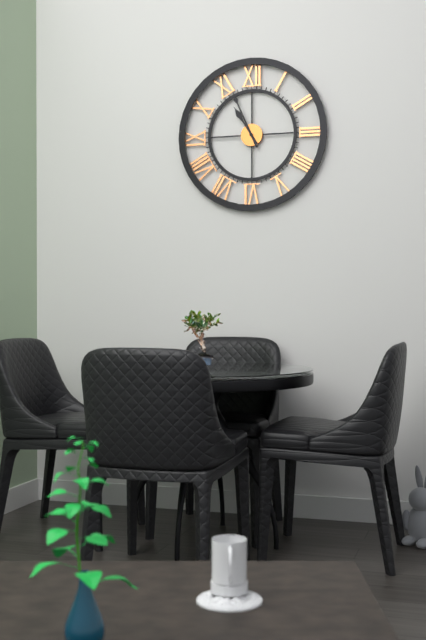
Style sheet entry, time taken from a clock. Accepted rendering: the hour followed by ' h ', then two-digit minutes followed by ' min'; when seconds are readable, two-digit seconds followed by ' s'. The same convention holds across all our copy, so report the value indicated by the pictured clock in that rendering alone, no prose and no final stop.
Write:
10 h 56 min
